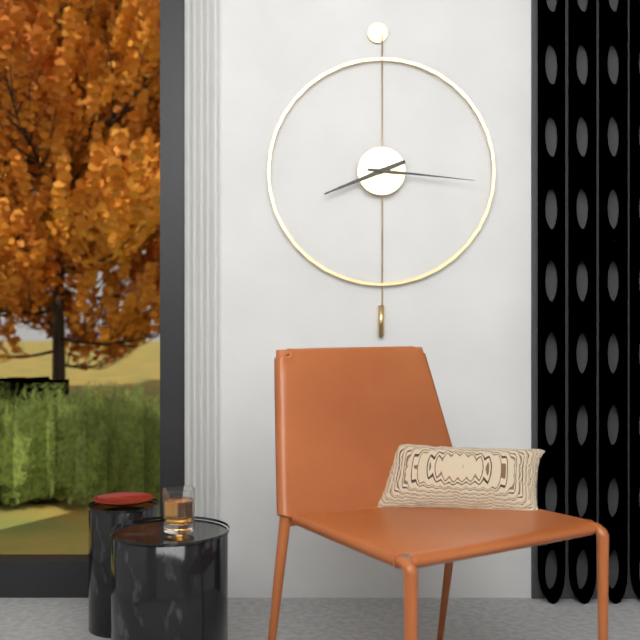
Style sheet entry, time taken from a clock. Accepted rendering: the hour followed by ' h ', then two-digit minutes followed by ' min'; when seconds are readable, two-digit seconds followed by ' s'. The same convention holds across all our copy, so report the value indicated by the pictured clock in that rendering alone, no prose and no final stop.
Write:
8 h 16 min
